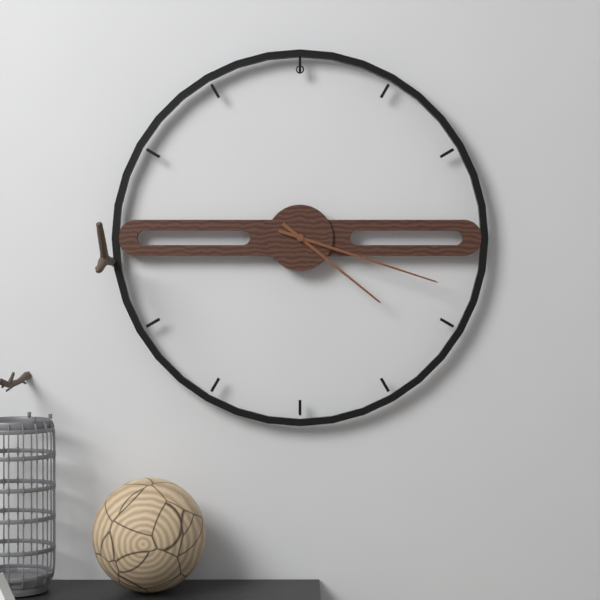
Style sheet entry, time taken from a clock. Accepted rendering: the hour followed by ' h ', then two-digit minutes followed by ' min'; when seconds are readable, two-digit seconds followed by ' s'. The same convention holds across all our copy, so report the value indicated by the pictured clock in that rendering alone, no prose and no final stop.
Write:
4 h 18 min
